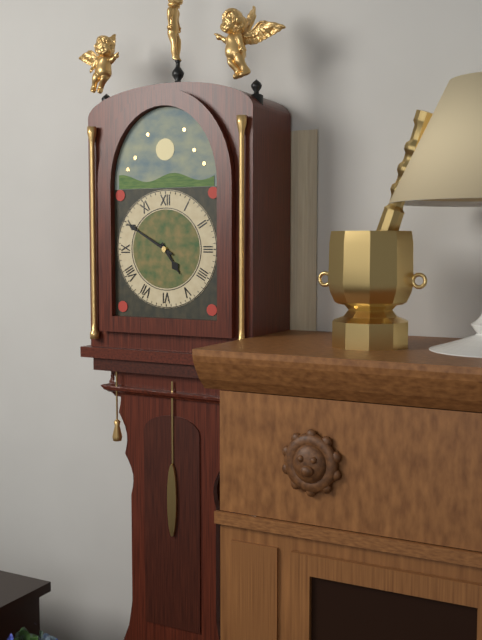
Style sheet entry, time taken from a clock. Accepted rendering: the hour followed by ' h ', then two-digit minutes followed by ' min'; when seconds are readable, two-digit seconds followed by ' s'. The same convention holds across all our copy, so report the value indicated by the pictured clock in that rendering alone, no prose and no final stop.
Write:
4 h 50 min
